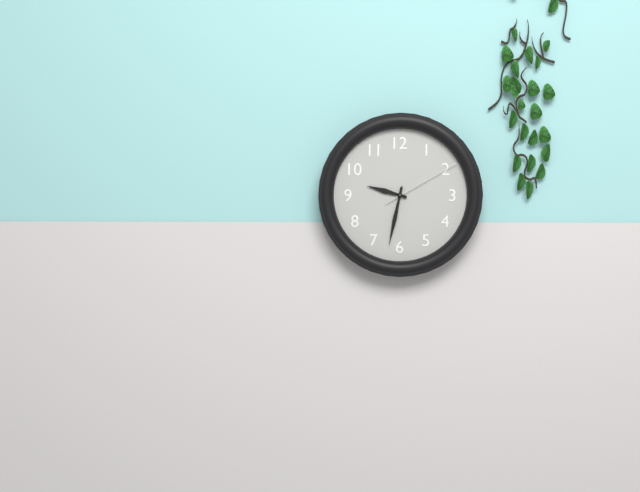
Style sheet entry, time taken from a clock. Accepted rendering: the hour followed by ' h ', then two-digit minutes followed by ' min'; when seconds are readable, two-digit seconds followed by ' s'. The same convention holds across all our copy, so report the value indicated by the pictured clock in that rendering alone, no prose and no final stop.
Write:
9 h 32 min 10 s
